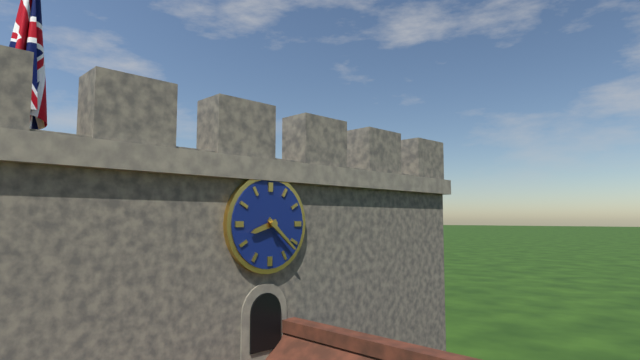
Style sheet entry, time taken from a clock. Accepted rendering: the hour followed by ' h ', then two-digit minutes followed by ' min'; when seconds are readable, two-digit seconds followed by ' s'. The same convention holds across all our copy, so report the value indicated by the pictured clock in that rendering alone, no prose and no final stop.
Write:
8 h 22 min
